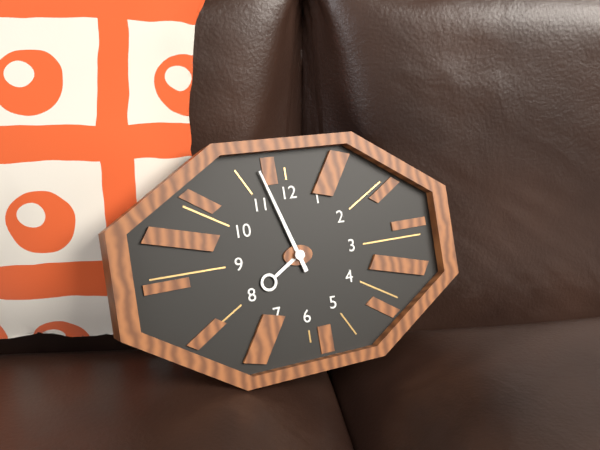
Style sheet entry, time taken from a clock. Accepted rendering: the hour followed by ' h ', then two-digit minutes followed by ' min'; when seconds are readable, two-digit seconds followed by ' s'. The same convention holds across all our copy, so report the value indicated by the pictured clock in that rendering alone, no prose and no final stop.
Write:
7 h 57 min
